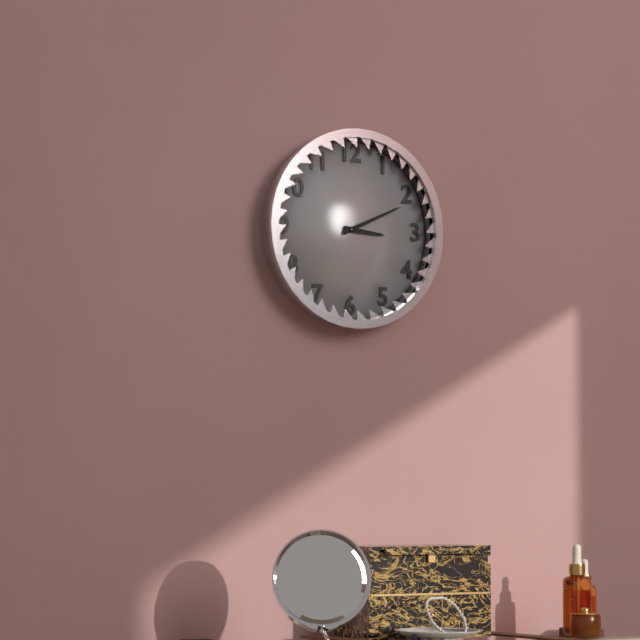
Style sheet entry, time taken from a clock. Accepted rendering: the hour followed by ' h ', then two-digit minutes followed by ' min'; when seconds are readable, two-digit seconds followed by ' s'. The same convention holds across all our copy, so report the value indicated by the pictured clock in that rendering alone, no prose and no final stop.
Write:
3 h 11 min
